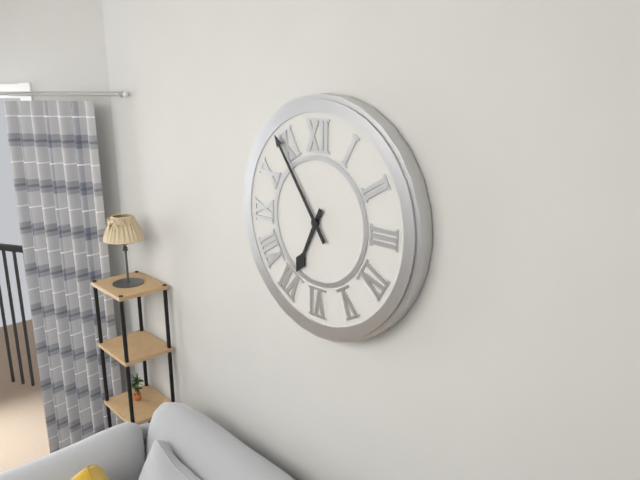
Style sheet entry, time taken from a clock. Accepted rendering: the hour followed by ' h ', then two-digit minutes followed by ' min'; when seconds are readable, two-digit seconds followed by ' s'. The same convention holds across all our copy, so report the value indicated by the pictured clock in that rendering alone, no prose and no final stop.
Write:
6 h 54 min
